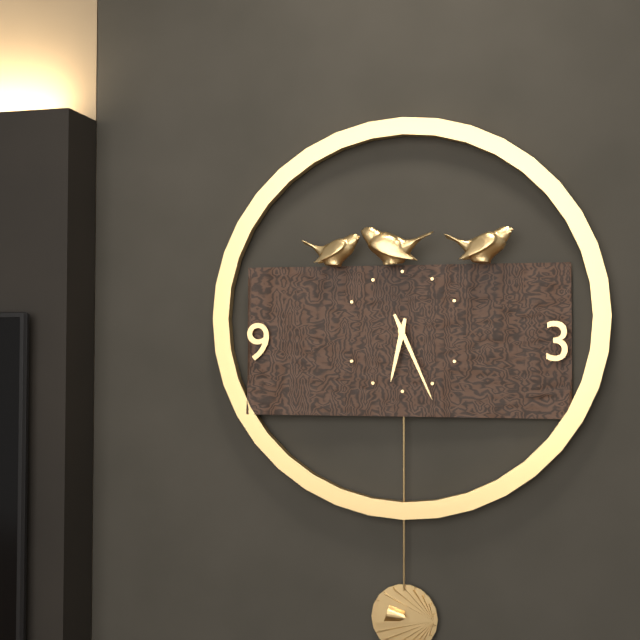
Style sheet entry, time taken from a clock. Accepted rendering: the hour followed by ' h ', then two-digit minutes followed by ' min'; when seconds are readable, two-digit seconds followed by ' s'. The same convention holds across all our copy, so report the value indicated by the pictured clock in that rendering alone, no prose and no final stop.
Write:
6 h 26 min
